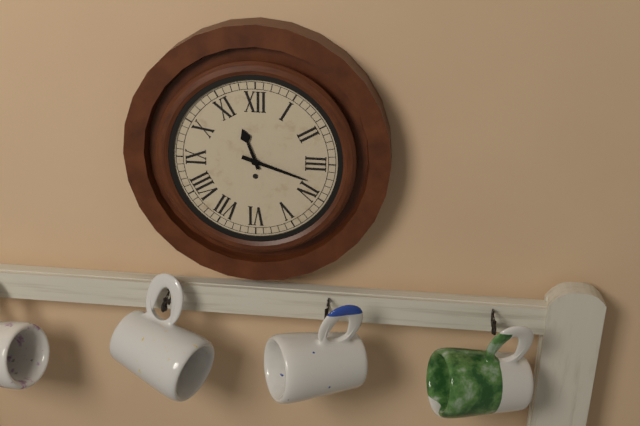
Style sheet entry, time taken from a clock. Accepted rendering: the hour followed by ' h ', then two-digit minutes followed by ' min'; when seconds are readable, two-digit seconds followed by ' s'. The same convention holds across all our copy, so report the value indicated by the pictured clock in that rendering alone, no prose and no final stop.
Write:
11 h 18 min
